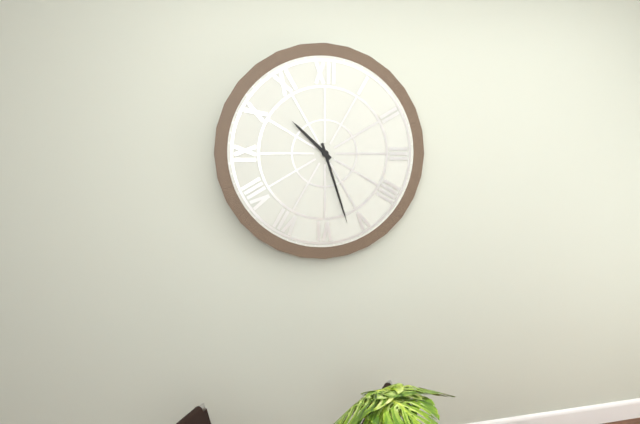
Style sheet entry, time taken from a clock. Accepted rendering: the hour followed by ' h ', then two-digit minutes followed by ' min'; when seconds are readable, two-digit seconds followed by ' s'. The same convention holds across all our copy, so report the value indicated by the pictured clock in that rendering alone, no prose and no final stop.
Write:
10 h 27 min
